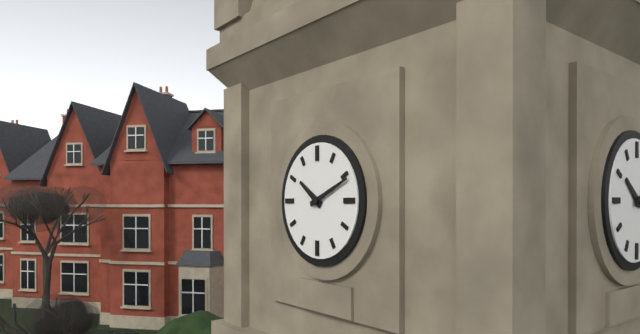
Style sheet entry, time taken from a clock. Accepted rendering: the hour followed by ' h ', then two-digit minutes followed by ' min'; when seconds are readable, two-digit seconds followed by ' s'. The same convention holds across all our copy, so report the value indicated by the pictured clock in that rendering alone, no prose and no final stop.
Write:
10 h 11 min
